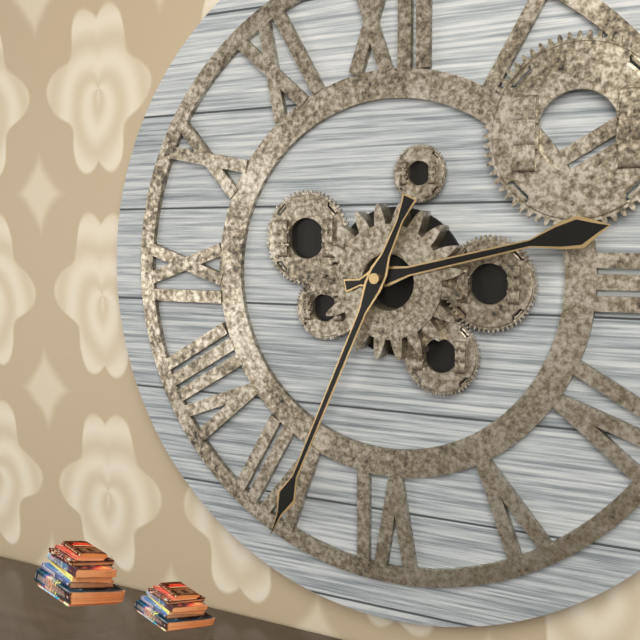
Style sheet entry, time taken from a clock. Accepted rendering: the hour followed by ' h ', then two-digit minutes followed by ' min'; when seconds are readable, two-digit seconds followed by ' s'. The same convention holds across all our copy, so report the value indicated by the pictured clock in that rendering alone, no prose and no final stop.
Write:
2 h 34 min
